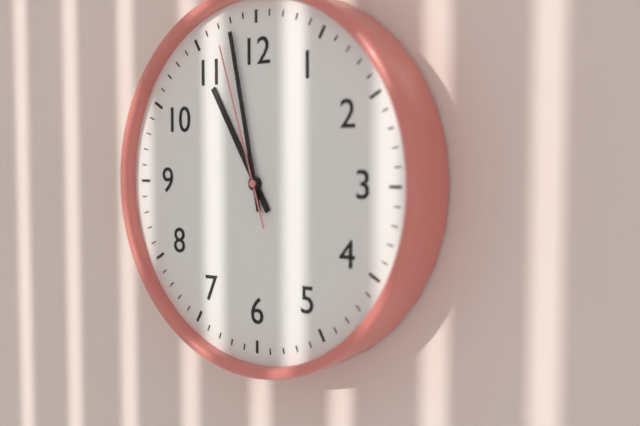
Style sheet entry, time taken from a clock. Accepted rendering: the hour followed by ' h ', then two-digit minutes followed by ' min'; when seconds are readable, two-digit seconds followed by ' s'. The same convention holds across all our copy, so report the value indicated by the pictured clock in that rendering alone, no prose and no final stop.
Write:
10 h 58 min 57 s
